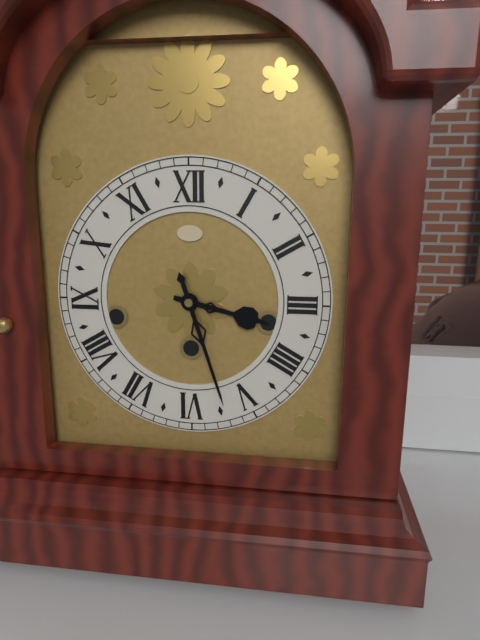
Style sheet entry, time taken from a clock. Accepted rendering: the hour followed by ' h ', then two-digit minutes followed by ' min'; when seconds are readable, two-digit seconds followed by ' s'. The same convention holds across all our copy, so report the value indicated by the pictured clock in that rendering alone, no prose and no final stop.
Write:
3 h 27 min
